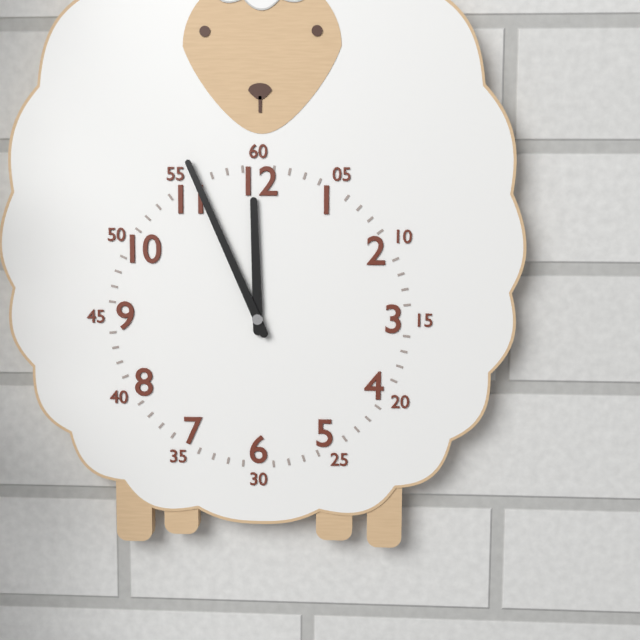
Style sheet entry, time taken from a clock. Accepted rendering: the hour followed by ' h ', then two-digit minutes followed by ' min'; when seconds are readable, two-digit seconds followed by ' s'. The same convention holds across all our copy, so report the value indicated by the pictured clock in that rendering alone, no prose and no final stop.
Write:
11 h 56 min
